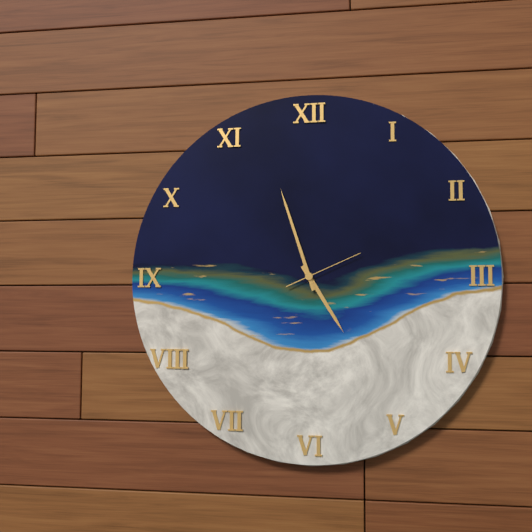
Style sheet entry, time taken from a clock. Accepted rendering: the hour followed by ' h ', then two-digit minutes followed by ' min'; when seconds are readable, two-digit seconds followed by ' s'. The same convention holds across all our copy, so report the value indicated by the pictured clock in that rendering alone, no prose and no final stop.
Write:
4 h 57 min 11 s
